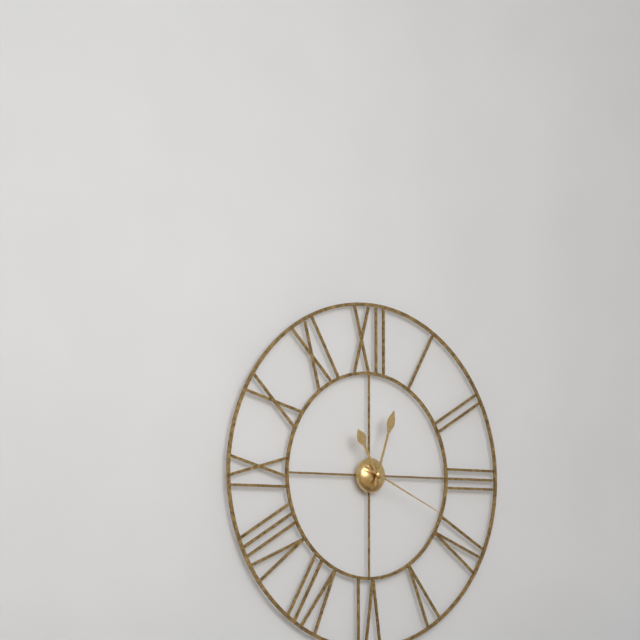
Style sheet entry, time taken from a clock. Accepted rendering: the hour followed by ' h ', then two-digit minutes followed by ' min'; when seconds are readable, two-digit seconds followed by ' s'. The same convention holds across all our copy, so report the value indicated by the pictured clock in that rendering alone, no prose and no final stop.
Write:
11 h 03 min 19 s
